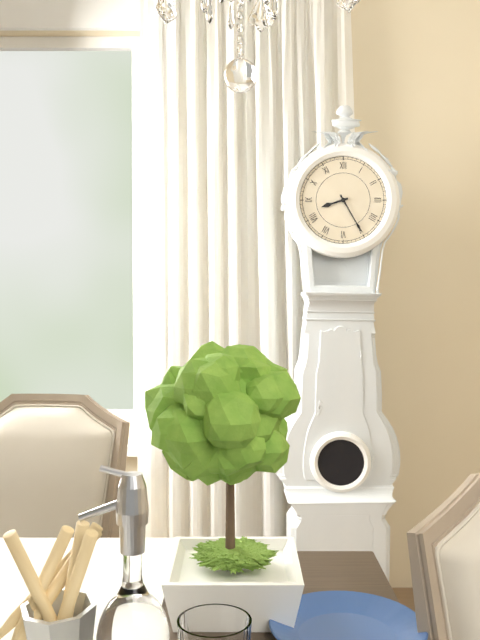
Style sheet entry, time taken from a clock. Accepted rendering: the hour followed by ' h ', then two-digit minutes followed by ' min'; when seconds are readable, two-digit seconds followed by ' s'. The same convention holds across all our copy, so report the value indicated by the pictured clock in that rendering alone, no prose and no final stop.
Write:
8 h 25 min
